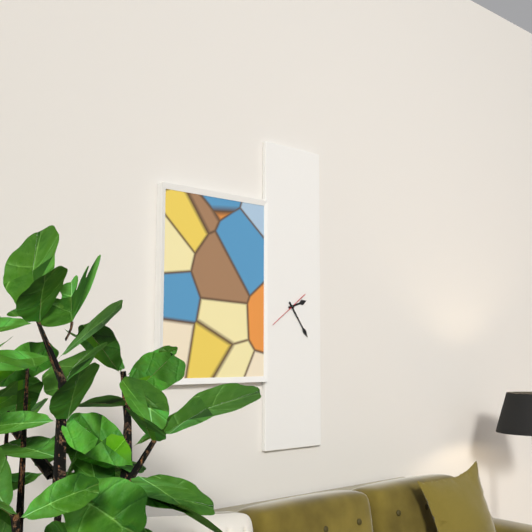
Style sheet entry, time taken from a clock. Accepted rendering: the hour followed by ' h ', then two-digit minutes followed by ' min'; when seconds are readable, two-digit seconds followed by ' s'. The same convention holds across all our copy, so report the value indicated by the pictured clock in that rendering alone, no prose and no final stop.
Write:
2 h 24 min
